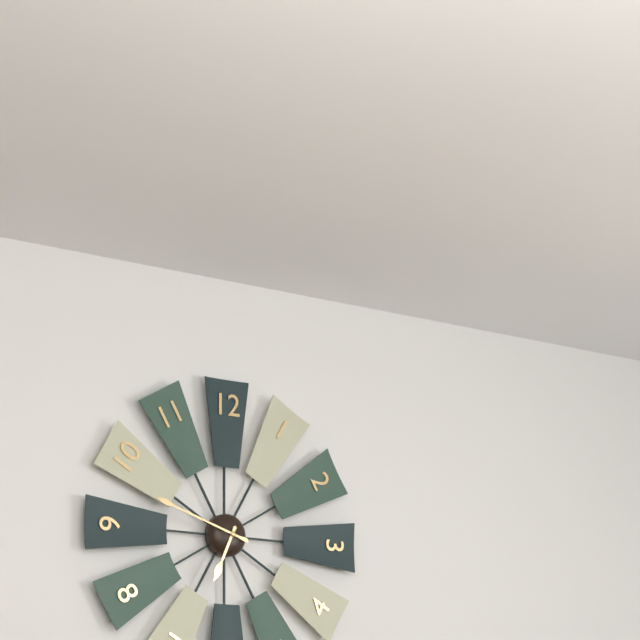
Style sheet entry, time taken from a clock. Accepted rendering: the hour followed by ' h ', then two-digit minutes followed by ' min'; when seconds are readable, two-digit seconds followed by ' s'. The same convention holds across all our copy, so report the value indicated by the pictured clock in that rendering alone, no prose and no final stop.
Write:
6 h 48 min
